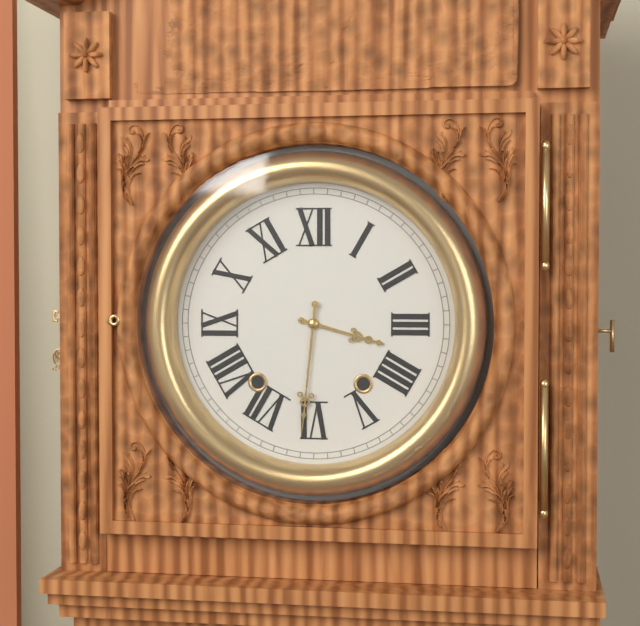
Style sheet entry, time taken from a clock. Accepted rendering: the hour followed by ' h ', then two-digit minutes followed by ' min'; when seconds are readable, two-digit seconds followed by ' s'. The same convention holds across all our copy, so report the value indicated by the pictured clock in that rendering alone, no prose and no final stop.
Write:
3 h 31 min
